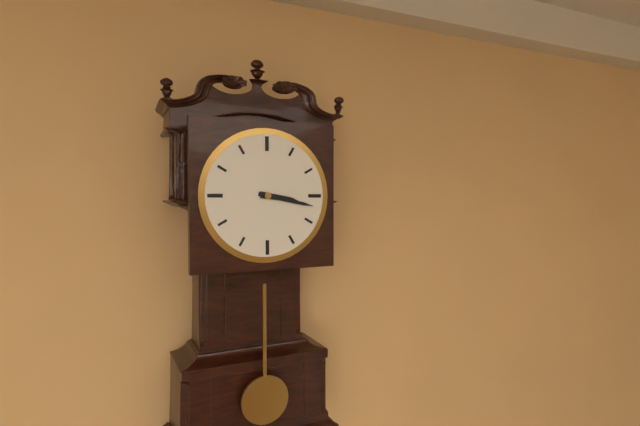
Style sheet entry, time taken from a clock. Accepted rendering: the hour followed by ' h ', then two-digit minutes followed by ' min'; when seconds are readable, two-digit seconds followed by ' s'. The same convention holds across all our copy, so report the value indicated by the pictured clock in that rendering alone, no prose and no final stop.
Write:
3 h 17 min
